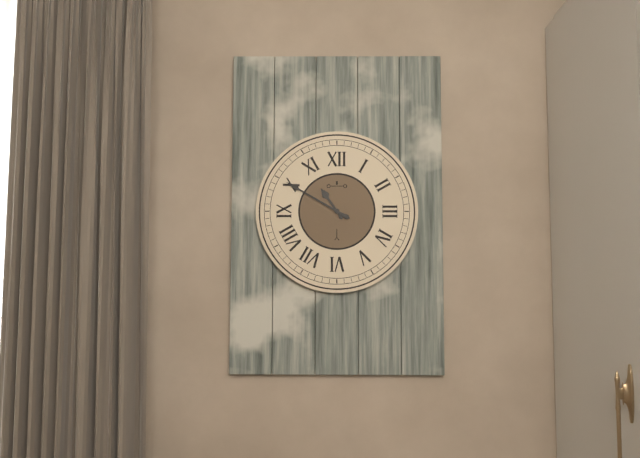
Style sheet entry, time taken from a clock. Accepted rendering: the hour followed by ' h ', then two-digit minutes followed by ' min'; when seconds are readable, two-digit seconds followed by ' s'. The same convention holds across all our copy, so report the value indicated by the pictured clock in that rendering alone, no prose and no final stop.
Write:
10 h 50 min
